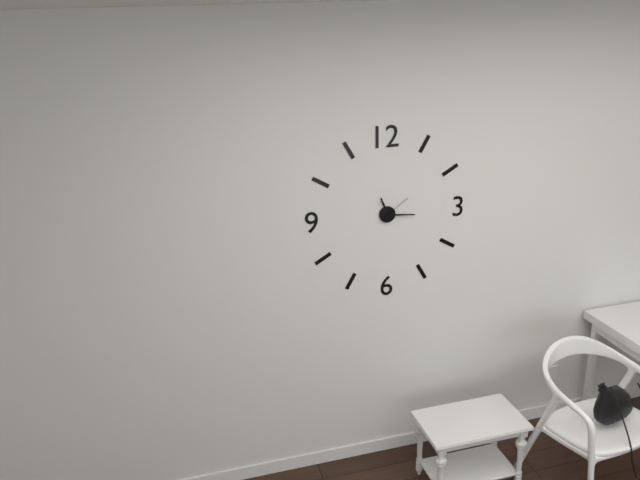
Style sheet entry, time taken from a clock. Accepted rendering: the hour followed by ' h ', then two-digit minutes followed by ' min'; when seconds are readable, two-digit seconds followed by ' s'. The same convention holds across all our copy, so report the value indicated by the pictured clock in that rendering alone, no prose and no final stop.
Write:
11 h 16 min
